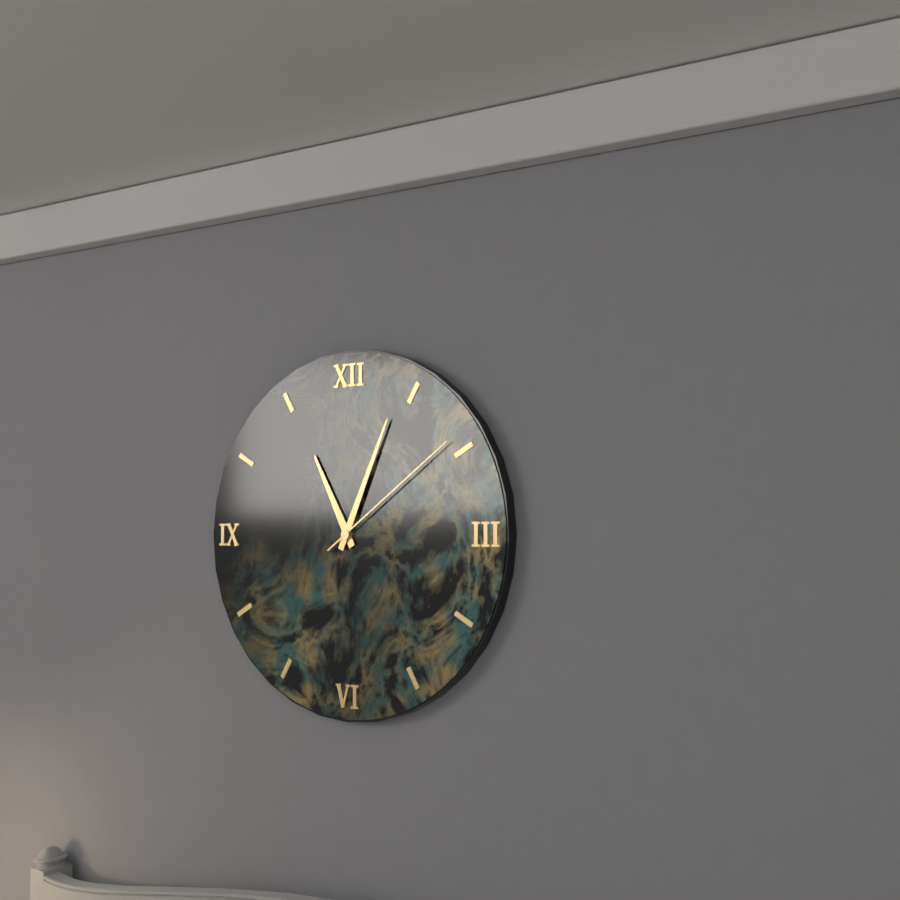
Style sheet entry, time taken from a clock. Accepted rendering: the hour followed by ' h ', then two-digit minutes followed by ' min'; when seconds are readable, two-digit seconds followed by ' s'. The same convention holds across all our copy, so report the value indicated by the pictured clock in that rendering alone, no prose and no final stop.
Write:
11 h 04 min 09 s
